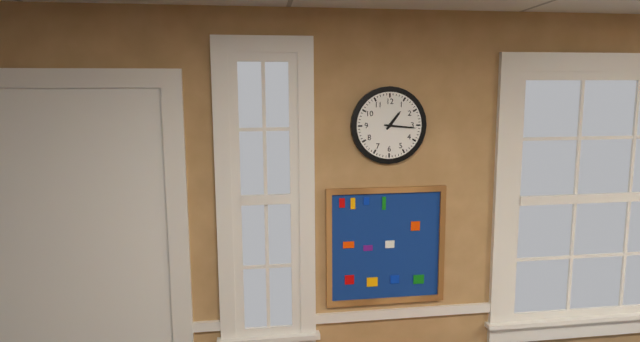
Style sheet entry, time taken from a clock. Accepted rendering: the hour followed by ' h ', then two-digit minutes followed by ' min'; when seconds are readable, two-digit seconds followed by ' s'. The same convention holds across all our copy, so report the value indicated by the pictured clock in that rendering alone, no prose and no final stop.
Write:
1 h 16 min
